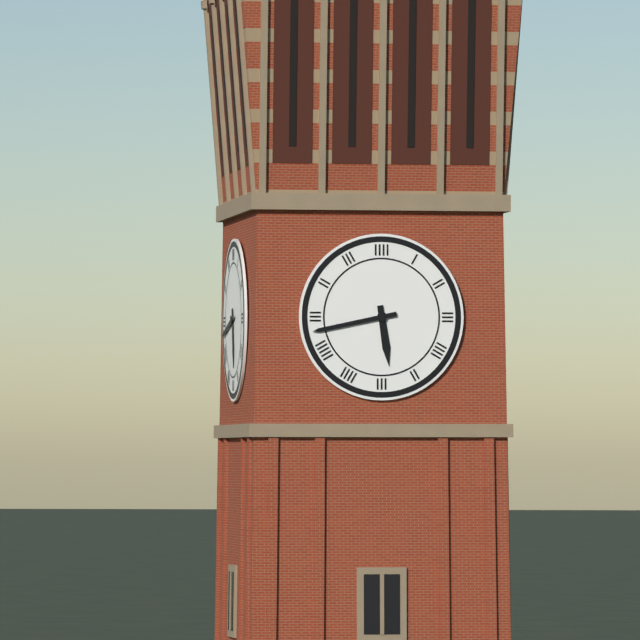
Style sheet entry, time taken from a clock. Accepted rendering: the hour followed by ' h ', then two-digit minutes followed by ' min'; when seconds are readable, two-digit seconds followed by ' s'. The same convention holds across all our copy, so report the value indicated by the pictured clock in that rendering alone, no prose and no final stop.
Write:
5 h 43 min
